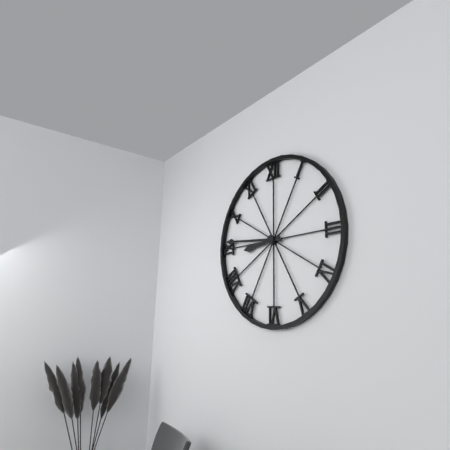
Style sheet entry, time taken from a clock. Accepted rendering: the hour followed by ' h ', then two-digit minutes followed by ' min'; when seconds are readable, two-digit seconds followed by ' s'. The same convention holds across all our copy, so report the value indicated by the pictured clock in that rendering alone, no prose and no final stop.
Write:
8 h 46 min
